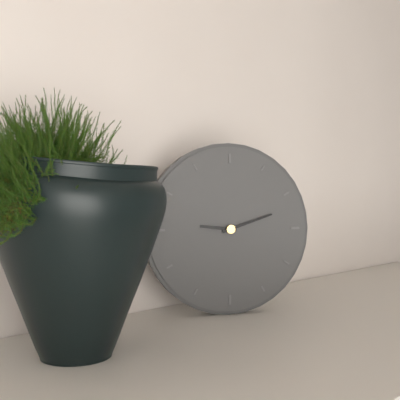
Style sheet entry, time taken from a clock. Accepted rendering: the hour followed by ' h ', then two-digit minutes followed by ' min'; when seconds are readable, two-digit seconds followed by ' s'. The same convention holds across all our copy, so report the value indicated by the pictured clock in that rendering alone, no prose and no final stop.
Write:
9 h 12 min
